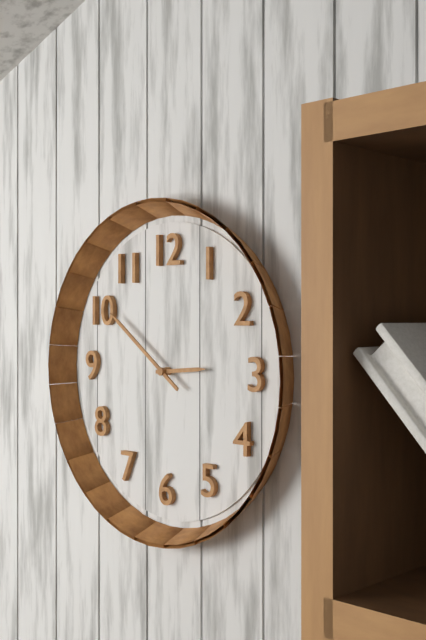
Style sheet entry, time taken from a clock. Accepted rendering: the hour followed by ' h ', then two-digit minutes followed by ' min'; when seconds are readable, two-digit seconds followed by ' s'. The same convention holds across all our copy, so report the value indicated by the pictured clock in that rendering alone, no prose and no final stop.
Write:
2 h 51 min
